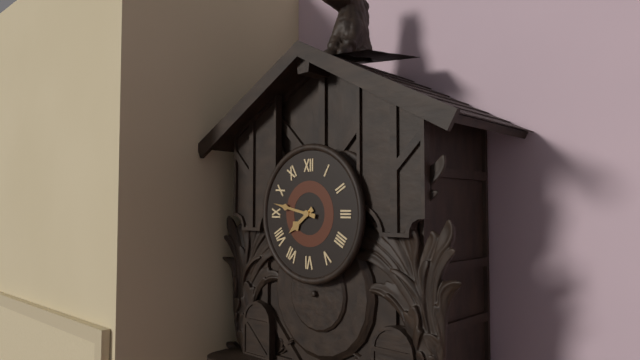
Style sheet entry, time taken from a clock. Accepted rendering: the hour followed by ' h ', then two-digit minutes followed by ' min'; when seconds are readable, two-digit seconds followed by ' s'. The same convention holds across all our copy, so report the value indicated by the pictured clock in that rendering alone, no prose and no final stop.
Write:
7 h 47 min
